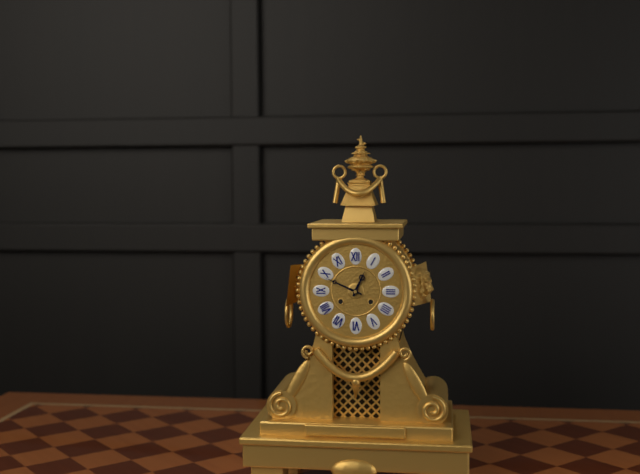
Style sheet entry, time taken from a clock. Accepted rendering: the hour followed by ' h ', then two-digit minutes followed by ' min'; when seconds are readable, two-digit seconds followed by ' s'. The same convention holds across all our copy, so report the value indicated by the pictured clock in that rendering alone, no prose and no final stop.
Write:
12 h 49 min
